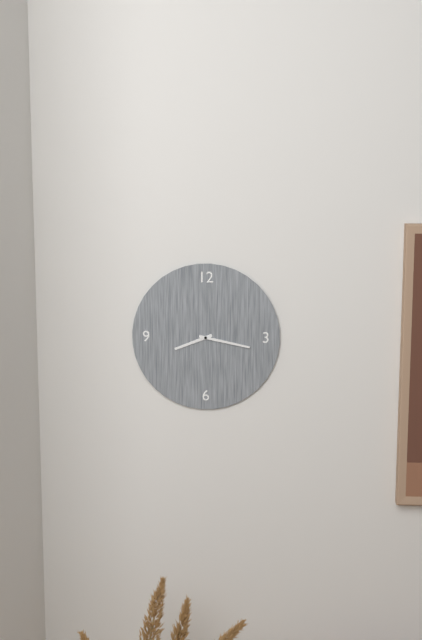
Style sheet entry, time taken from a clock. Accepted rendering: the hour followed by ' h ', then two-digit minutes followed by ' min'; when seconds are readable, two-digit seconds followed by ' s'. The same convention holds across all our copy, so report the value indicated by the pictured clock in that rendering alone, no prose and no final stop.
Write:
8 h 17 min
